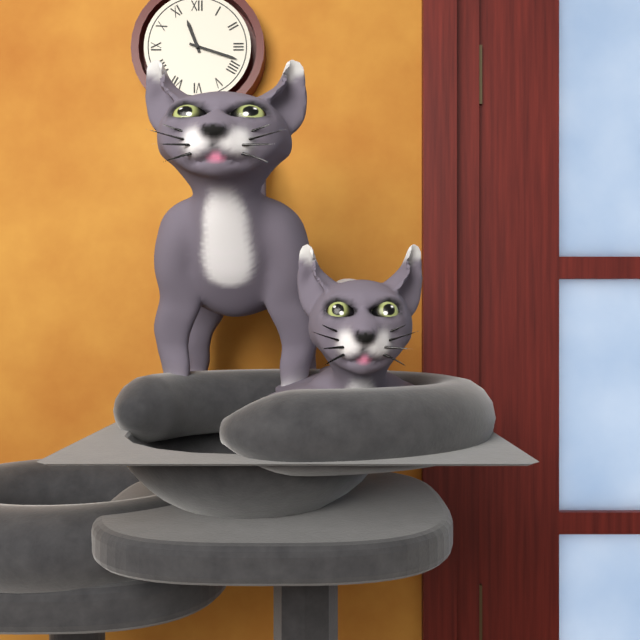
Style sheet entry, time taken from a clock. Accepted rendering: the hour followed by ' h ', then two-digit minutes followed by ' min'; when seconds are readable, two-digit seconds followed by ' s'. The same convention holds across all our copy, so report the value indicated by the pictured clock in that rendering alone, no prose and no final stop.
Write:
11 h 18 min
